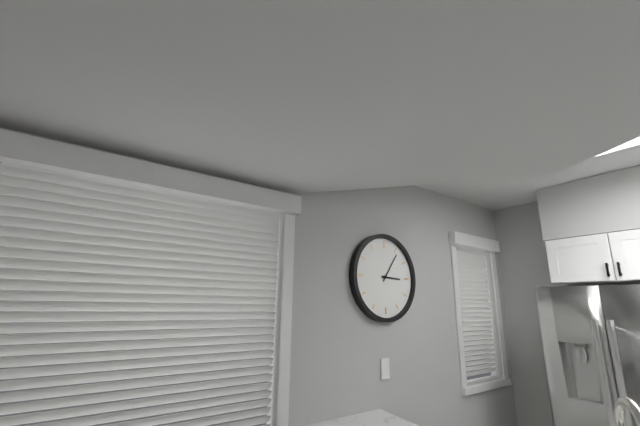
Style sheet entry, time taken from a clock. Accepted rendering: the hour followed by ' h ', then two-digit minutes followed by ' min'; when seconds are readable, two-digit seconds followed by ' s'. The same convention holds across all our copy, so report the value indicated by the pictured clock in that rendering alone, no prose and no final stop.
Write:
3 h 06 min
